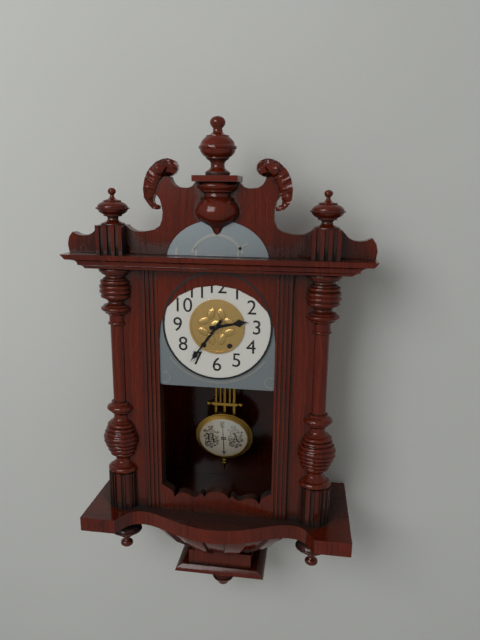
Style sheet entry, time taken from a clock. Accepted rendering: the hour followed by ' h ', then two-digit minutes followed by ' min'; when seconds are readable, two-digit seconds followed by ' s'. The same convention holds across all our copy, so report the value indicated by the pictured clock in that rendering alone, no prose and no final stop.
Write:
2 h 36 min
